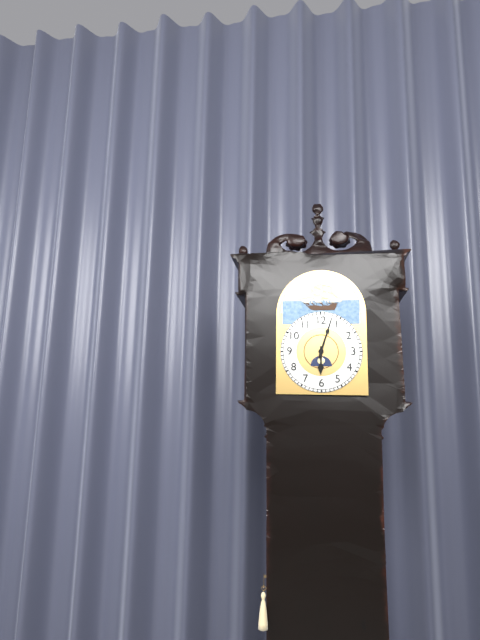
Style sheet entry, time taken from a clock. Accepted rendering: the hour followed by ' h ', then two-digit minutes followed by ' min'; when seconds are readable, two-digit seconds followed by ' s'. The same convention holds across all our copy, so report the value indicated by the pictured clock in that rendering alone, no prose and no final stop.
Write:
6 h 03 min
